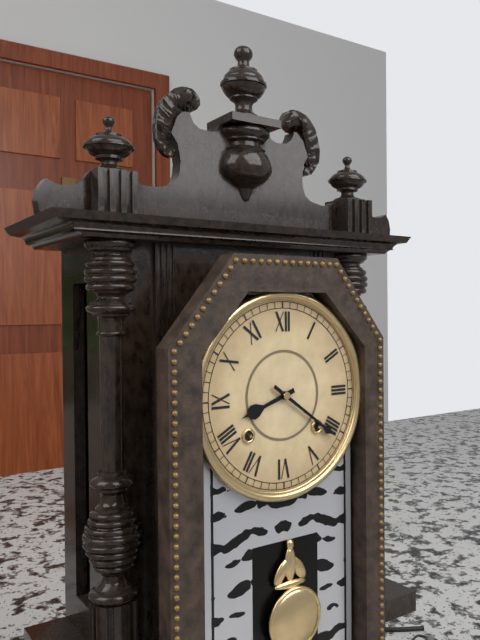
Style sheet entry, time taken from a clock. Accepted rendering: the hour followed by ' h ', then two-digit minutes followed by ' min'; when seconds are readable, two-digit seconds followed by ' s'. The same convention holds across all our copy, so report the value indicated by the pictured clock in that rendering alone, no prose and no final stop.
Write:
8 h 21 min
